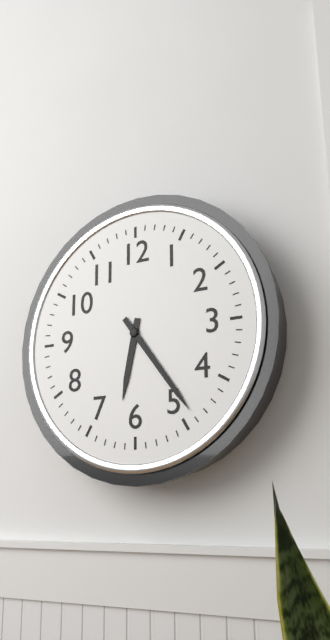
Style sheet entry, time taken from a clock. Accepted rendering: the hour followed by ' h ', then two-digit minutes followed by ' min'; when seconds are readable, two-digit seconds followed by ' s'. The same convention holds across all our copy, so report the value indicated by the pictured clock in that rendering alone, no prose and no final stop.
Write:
6 h 24 min
